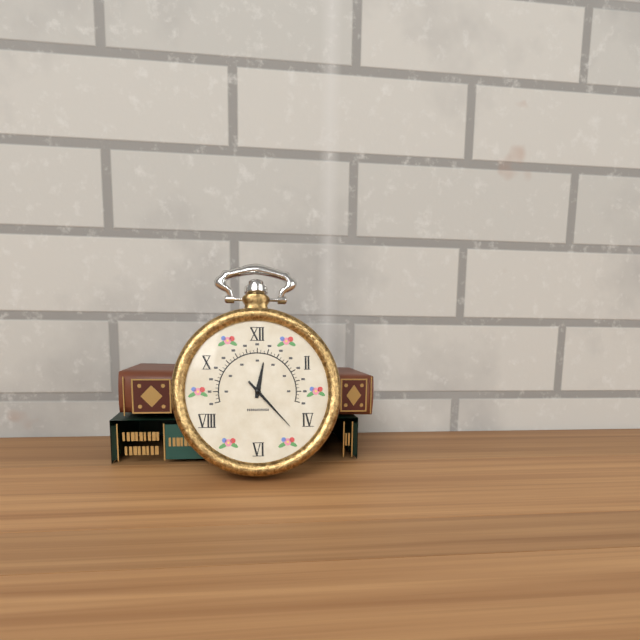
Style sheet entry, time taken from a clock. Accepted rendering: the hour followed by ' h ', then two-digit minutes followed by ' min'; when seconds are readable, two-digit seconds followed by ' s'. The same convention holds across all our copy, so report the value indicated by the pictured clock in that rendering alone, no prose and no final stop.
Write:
12 h 23 min
